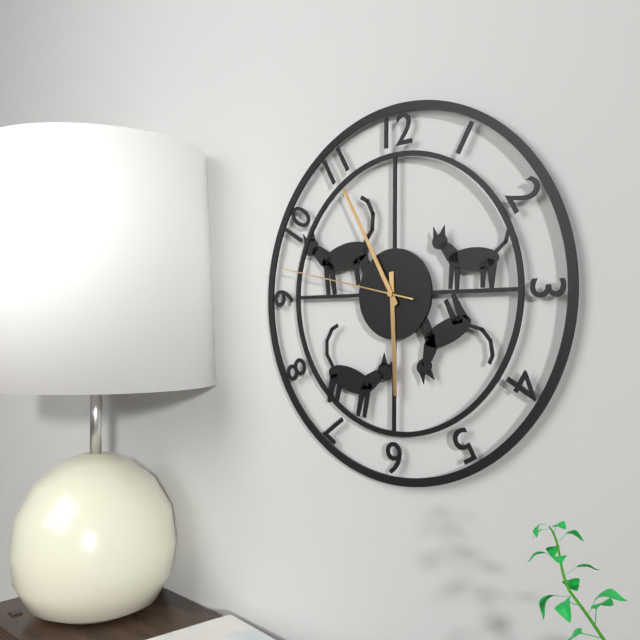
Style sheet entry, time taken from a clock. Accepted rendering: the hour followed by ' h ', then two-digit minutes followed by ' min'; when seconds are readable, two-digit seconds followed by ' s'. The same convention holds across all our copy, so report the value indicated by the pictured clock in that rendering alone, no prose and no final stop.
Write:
5 h 55 min 47 s
